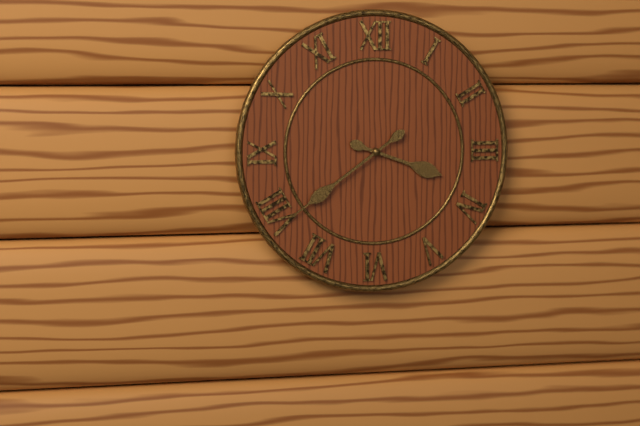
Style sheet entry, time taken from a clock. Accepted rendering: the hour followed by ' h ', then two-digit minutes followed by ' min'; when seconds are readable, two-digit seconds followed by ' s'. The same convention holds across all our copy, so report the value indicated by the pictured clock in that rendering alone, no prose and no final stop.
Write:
3 h 39 min
